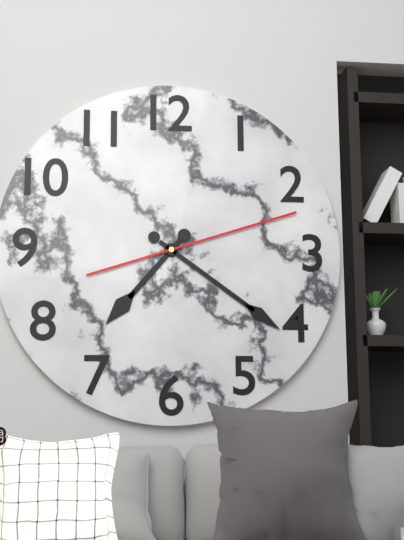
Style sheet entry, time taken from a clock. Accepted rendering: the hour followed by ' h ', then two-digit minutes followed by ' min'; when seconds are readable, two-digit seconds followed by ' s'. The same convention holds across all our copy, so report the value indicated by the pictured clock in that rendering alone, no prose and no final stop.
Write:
7 h 21 min 12 s
